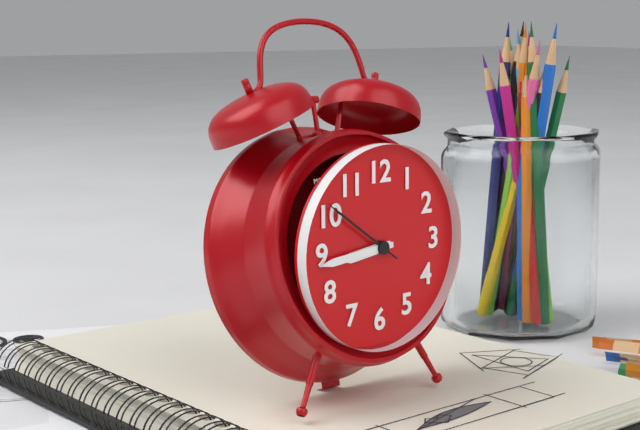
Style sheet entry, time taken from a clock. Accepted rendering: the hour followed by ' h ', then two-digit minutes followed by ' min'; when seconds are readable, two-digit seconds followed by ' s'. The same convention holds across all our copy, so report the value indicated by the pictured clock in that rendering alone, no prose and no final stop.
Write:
8 h 44 min 51 s
